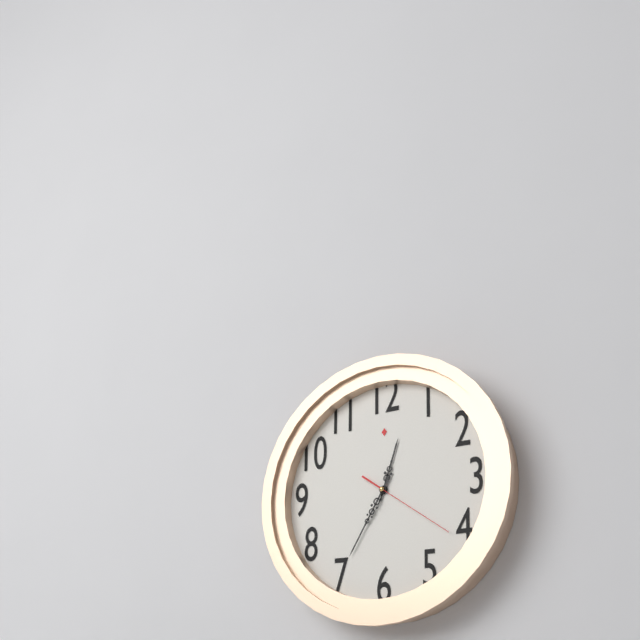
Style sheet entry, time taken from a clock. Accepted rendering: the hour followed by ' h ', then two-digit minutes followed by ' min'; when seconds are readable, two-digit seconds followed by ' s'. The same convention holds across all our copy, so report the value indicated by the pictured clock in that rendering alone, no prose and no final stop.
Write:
12 h 35 min 21 s
